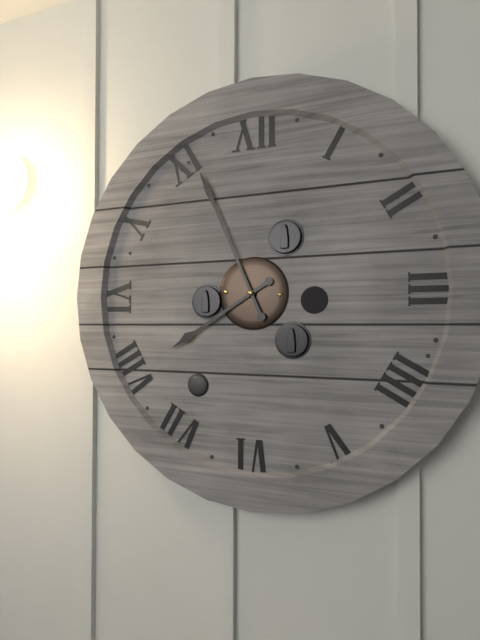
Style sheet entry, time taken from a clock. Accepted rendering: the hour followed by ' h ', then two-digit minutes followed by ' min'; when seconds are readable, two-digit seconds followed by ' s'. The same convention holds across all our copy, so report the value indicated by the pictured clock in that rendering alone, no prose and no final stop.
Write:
7 h 56 min
